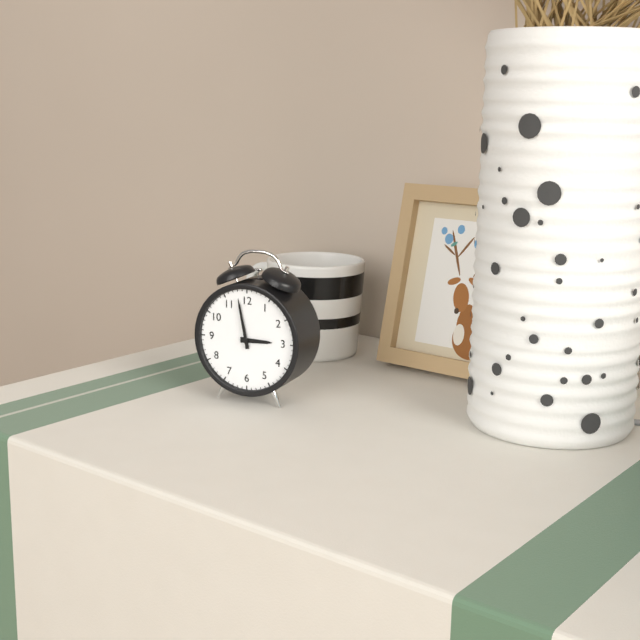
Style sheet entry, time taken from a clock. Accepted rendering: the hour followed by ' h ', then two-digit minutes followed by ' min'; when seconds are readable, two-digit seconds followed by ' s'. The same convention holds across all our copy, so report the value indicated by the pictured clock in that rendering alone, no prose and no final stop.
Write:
2 h 58 min
